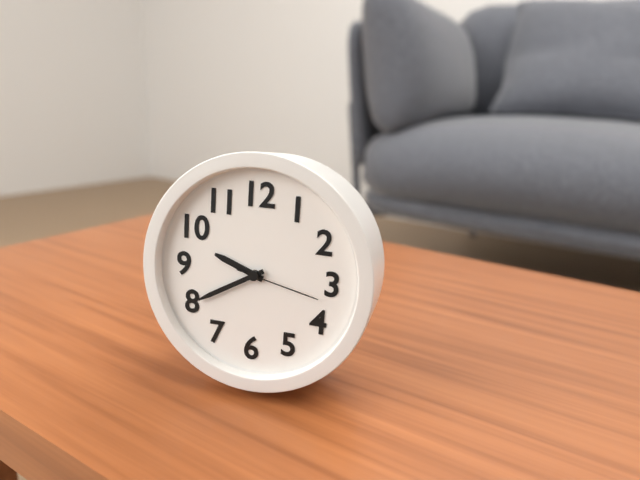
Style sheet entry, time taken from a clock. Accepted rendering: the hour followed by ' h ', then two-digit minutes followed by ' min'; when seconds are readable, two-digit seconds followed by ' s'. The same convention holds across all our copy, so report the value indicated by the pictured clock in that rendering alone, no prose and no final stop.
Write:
9 h 40 min 17 s
